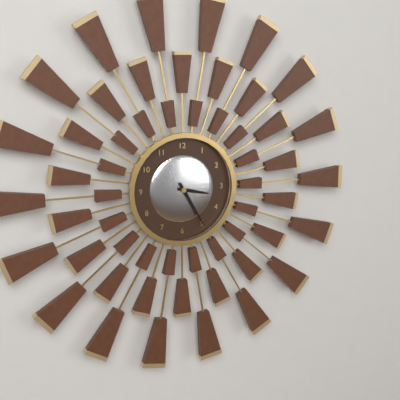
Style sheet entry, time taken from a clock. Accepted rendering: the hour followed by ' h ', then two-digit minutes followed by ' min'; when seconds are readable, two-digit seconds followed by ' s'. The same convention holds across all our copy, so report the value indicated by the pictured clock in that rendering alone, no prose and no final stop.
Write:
3 h 25 min
